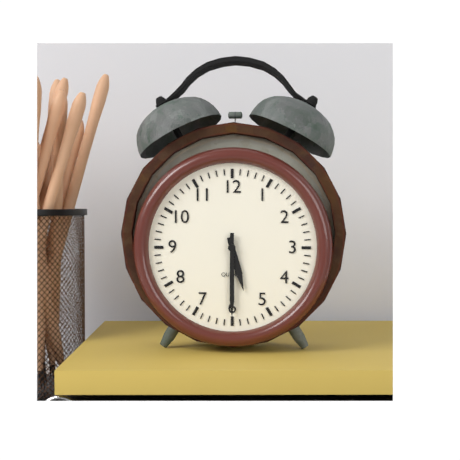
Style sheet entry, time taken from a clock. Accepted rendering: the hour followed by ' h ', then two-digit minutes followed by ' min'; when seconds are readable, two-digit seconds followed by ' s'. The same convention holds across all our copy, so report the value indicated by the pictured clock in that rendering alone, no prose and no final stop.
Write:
5 h 30 min
